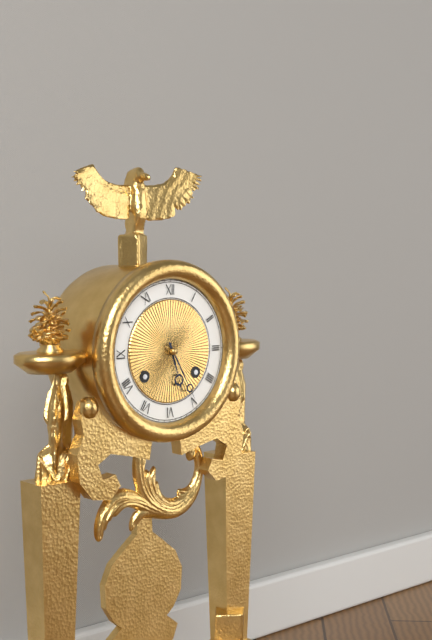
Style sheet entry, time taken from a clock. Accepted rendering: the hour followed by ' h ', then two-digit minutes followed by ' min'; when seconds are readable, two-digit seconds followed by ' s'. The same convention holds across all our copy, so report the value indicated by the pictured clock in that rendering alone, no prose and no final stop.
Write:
5 h 25 min
